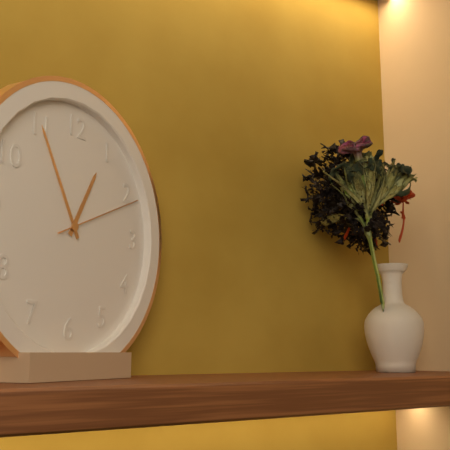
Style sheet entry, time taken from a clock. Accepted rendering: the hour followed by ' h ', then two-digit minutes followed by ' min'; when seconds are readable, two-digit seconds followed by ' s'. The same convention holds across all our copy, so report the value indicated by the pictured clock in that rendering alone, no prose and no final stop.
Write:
12 h 55 min 11 s
